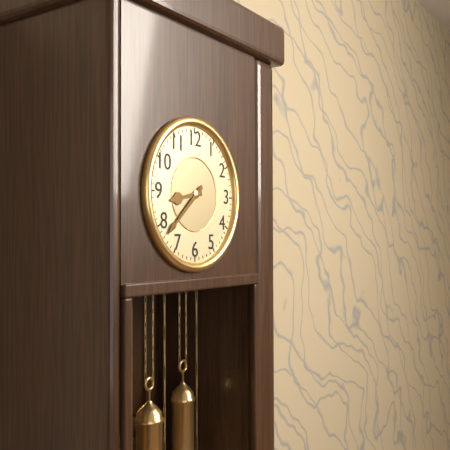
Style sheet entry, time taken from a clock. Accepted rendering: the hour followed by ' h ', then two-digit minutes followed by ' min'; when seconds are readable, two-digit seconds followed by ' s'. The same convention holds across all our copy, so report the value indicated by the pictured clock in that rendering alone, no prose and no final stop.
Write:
8 h 38 min
